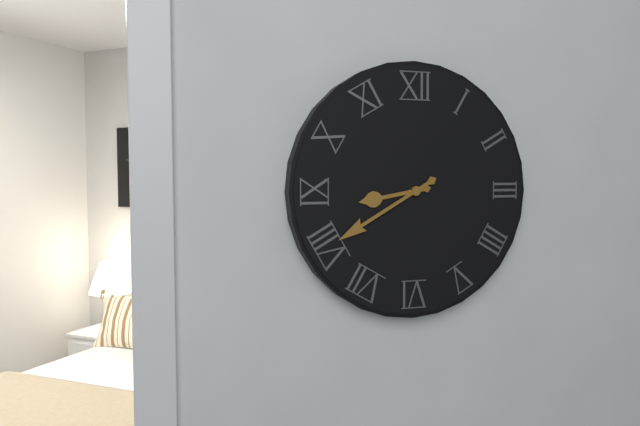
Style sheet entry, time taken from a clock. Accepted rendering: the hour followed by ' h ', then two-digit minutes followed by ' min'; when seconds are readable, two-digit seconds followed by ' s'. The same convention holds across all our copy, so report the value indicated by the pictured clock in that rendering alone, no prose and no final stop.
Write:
8 h 40 min
